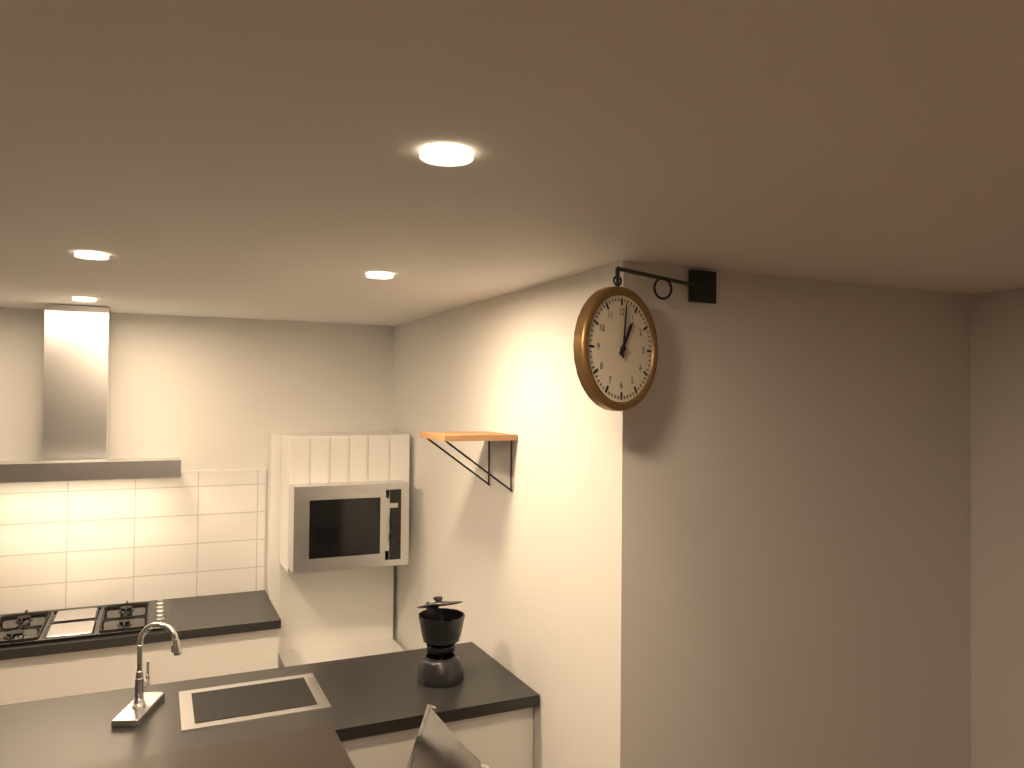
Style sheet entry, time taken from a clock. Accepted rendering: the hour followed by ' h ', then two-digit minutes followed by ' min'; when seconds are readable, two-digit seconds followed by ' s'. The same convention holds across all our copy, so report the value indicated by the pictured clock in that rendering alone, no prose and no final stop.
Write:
1 h 01 min
